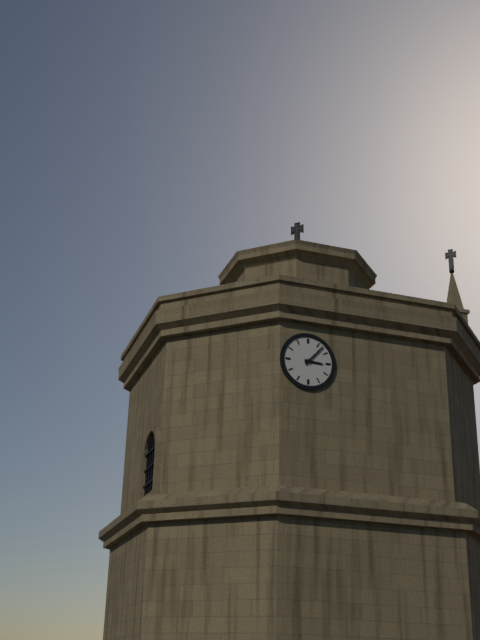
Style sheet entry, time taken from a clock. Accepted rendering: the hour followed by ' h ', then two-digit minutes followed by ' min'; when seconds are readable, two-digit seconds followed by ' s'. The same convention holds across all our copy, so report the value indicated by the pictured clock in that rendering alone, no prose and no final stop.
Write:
3 h 07 min
